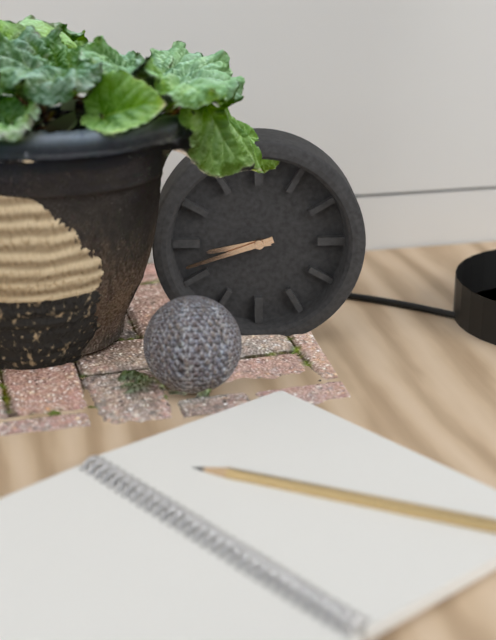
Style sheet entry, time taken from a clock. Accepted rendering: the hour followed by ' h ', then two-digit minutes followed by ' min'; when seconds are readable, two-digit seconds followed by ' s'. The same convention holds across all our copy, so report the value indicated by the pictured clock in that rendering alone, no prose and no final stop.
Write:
8 h 42 min
